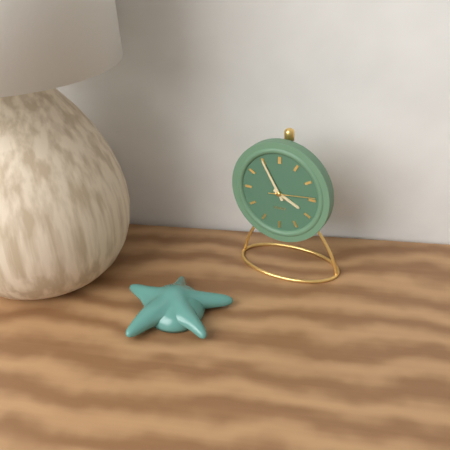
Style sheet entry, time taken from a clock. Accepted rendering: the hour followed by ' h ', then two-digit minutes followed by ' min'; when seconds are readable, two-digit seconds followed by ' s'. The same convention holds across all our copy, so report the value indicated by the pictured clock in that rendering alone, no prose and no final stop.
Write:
3 h 55 min
